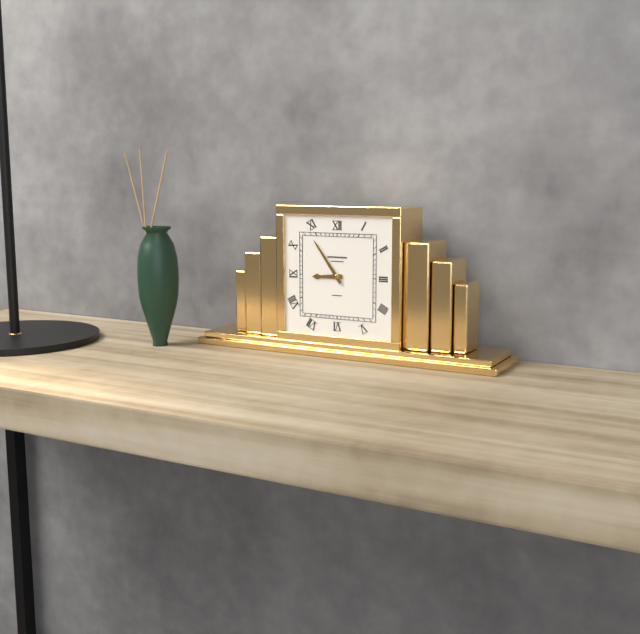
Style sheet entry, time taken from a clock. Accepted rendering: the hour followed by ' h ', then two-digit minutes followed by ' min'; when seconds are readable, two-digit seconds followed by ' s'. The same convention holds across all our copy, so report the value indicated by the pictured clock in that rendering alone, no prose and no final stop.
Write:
8 h 54 min
